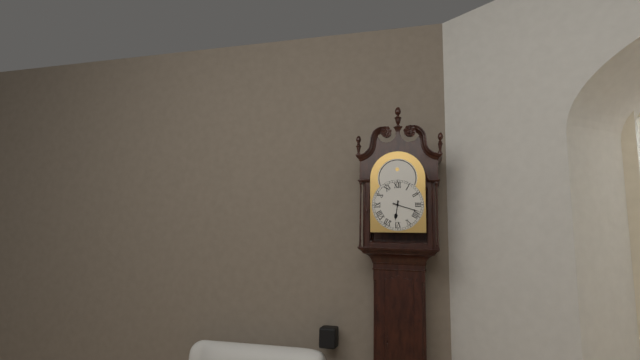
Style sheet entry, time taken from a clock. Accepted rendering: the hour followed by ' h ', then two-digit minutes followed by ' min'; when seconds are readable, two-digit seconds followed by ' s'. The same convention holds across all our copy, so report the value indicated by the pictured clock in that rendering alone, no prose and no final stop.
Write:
6 h 18 min
